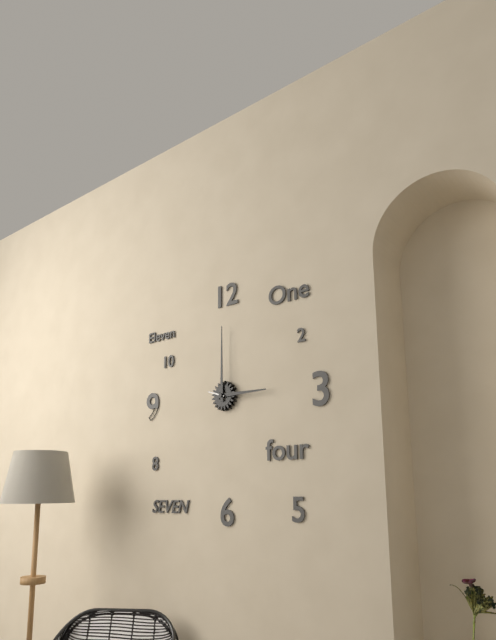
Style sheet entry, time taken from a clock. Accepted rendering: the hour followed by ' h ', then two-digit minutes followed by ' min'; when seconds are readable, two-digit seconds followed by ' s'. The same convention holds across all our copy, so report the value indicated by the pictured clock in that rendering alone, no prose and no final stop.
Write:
3 h 00 min
